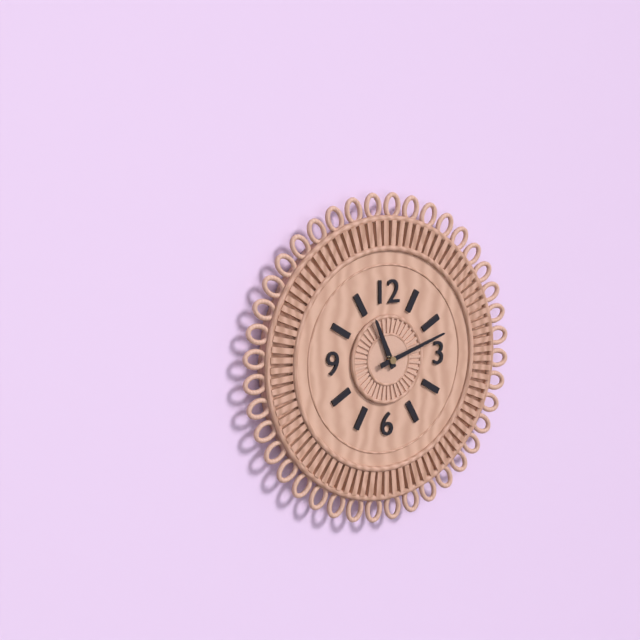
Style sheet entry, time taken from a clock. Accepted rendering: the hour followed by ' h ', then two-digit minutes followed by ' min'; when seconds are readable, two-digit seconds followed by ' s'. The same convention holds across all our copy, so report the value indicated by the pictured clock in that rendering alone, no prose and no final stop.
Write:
11 h 12 min
